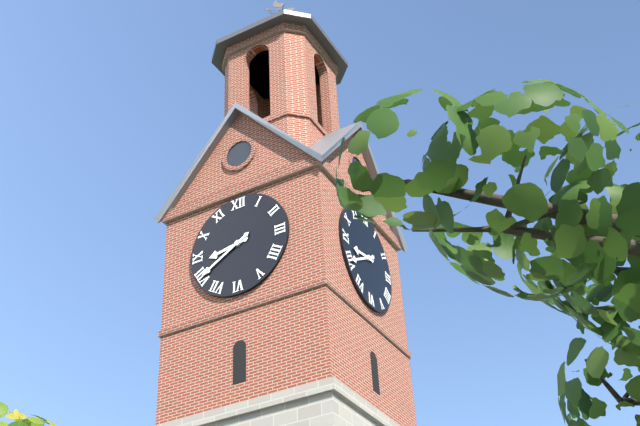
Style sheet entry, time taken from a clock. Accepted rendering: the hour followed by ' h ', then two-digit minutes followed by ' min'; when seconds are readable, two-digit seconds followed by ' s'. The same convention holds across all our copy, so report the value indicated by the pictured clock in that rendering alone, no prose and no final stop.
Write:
8 h 40 min
